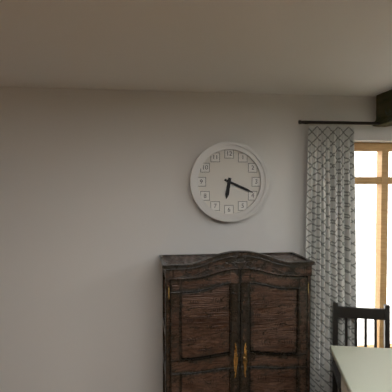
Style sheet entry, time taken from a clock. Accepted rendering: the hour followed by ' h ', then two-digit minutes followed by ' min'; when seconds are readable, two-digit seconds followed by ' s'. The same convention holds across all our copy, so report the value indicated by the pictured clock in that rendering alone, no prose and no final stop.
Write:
6 h 19 min
